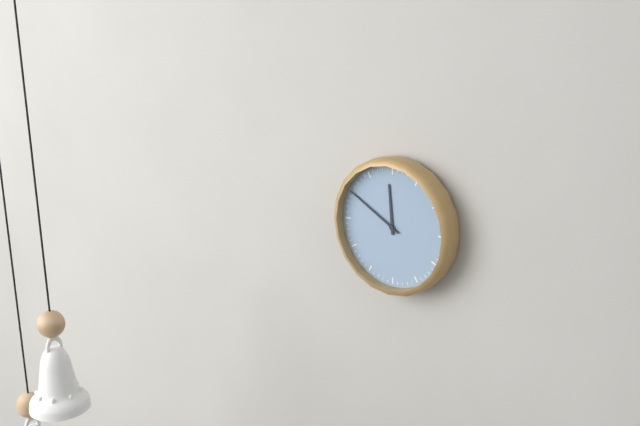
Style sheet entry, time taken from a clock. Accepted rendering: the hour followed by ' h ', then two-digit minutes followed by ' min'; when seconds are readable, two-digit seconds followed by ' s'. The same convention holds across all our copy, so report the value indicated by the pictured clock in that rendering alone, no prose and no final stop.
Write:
11 h 50 min
